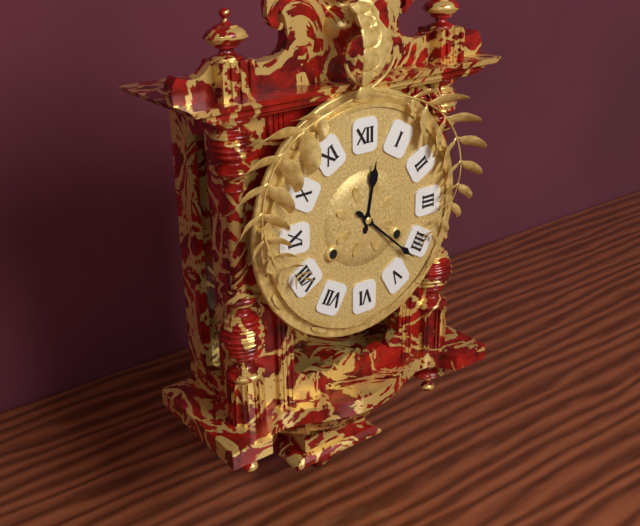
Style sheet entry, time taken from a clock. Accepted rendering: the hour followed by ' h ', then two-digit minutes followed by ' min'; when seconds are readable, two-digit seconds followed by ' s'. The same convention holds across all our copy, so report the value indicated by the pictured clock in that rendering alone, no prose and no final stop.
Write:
12 h 22 min
